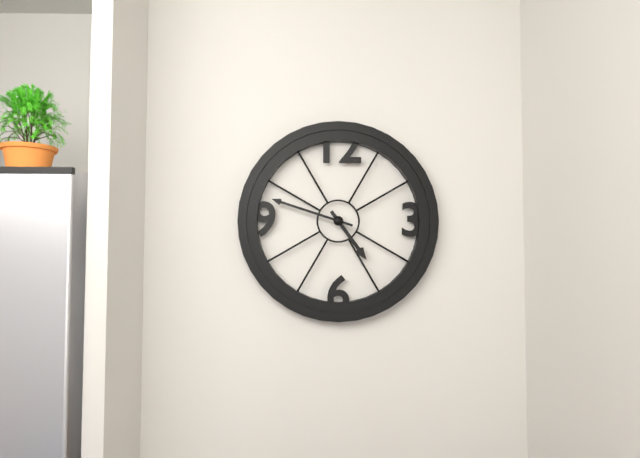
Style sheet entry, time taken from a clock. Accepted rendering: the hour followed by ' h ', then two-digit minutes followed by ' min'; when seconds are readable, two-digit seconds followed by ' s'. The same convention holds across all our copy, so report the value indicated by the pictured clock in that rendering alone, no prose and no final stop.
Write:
4 h 48 min
